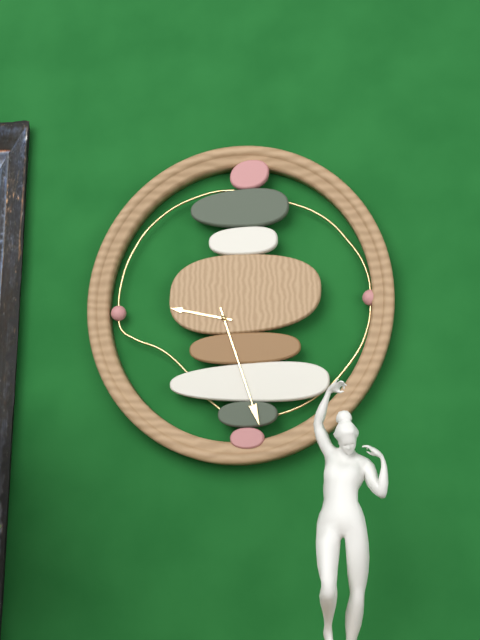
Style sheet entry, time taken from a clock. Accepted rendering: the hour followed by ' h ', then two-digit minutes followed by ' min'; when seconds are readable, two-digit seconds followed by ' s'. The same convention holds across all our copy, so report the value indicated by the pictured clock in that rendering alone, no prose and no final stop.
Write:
9 h 27 min
